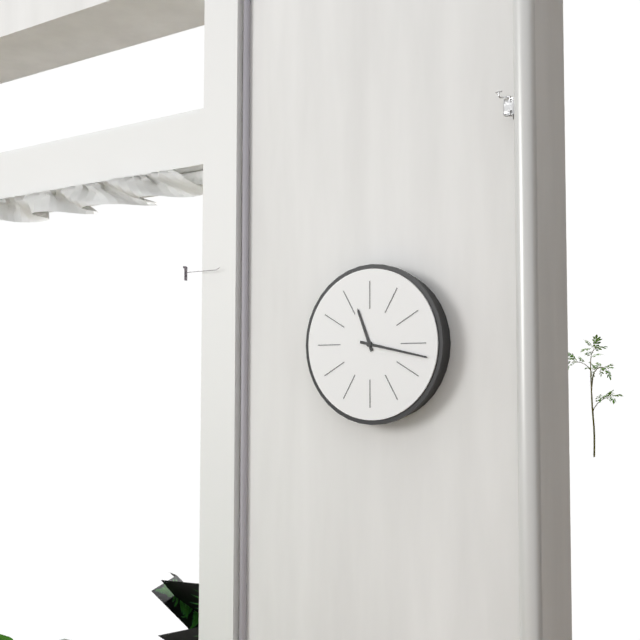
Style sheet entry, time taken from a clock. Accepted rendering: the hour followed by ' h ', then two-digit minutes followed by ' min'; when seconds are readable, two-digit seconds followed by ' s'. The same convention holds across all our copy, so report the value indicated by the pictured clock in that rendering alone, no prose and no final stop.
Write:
11 h 17 min
